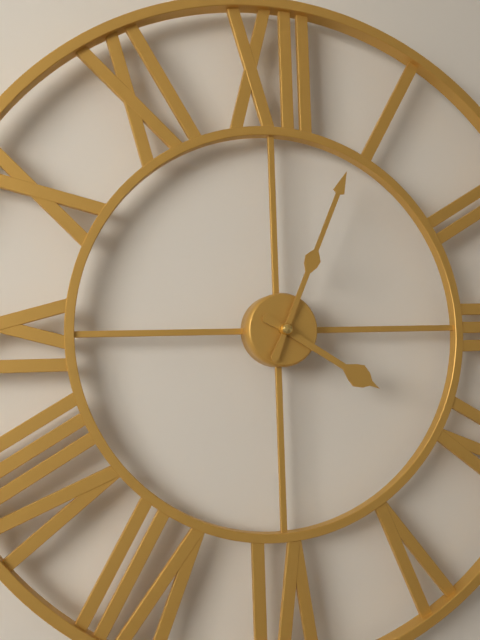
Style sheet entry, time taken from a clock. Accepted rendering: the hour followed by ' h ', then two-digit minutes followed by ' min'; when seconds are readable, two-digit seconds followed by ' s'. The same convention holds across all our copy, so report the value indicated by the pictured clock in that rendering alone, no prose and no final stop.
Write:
4 h 04 min
